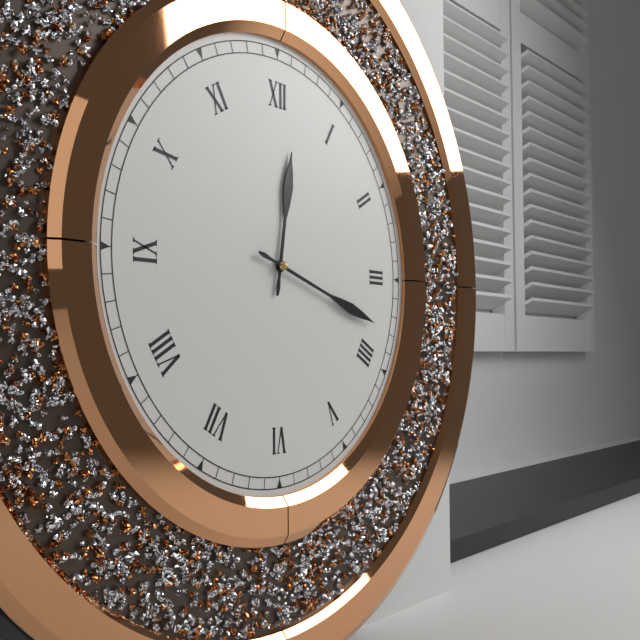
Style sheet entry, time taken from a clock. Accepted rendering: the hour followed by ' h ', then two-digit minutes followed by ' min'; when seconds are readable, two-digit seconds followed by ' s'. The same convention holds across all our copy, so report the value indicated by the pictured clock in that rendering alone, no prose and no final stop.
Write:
12 h 18 min
